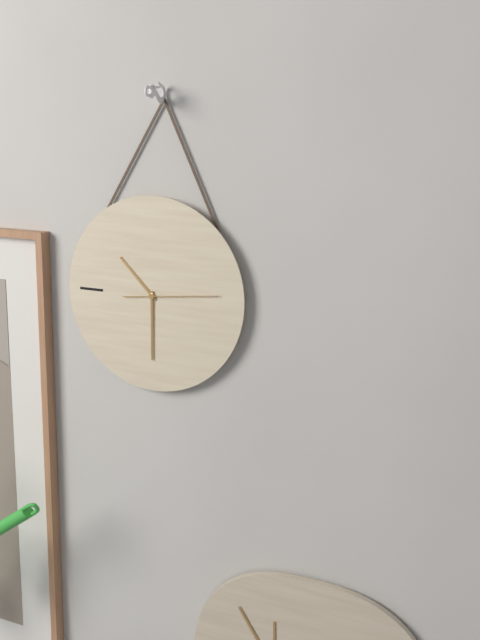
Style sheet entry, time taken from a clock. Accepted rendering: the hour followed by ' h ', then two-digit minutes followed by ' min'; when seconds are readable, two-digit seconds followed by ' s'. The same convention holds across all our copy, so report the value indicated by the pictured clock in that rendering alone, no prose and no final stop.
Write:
10 h 30 min 14 s
